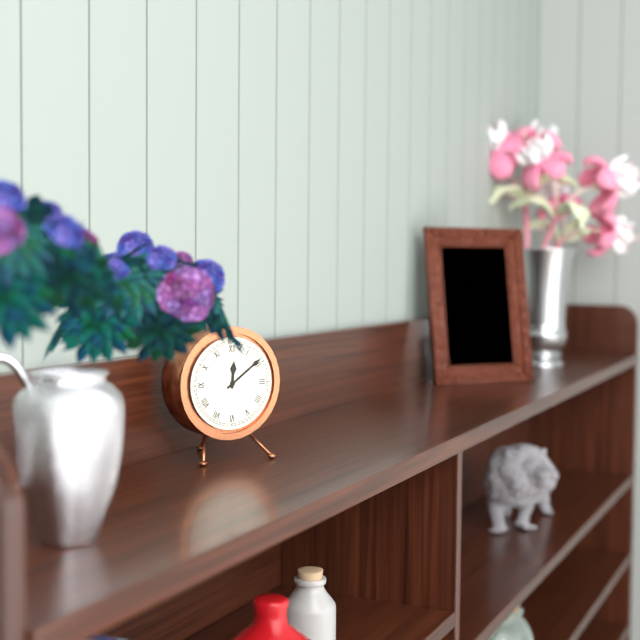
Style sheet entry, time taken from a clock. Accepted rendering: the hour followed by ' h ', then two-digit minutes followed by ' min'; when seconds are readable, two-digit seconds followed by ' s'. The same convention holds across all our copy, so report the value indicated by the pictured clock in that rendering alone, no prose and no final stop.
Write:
12 h 09 min
